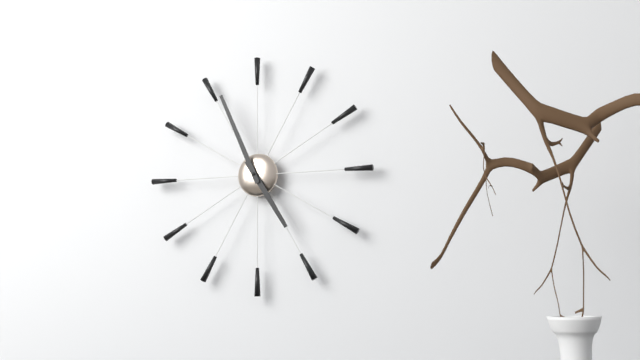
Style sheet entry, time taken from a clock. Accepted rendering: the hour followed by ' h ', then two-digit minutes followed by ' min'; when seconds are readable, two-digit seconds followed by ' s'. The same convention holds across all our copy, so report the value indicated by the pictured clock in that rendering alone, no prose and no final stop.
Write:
4 h 56 min
